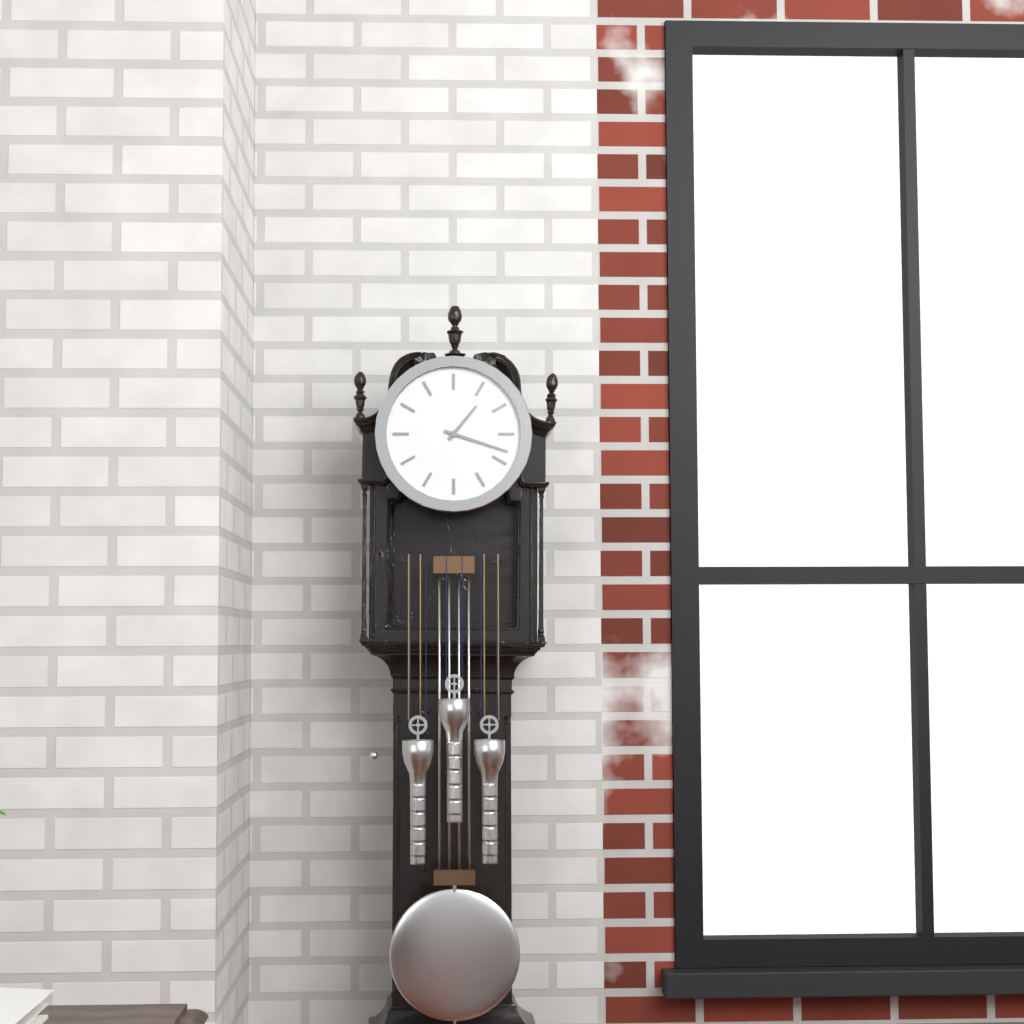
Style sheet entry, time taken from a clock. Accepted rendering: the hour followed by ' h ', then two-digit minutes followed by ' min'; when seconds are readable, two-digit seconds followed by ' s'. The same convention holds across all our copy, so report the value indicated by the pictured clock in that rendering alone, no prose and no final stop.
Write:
1 h 18 min
